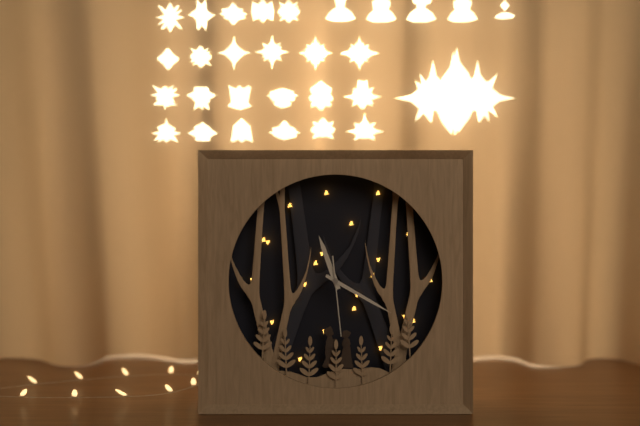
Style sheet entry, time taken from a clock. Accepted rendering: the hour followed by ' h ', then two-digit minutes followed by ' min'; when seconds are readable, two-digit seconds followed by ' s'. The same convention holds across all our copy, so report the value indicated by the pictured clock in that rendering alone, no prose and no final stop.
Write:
11 h 20 min 29 s
